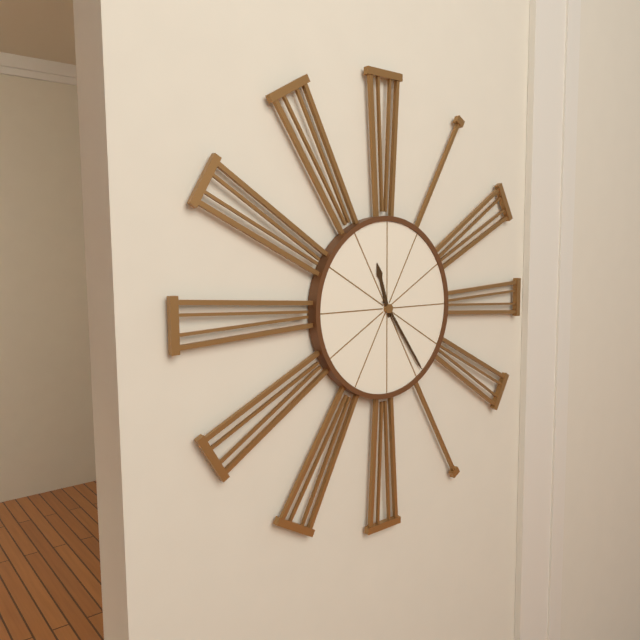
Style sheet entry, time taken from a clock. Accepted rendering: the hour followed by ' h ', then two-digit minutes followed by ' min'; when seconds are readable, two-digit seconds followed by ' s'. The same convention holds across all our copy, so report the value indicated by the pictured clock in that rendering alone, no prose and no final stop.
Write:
11 h 24 min
